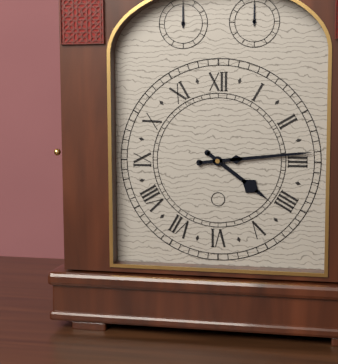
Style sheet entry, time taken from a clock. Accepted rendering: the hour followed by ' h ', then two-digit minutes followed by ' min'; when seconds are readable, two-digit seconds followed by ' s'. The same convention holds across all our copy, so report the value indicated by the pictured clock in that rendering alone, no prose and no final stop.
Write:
4 h 14 min
